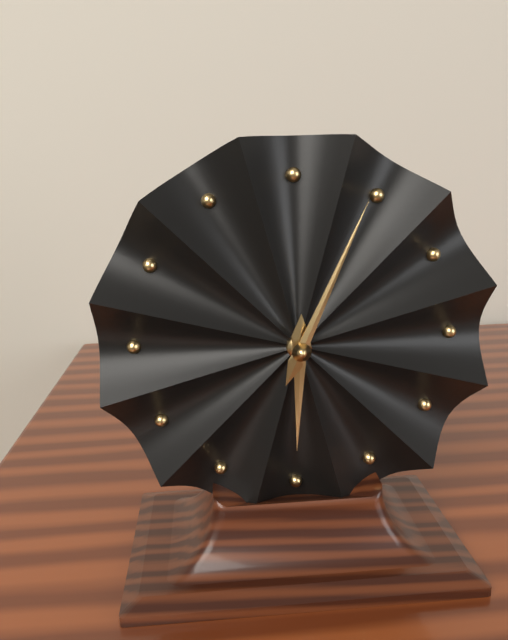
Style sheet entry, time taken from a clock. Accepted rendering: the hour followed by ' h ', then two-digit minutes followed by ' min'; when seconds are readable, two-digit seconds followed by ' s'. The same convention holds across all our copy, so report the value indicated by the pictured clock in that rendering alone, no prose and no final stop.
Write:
6 h 04 min
